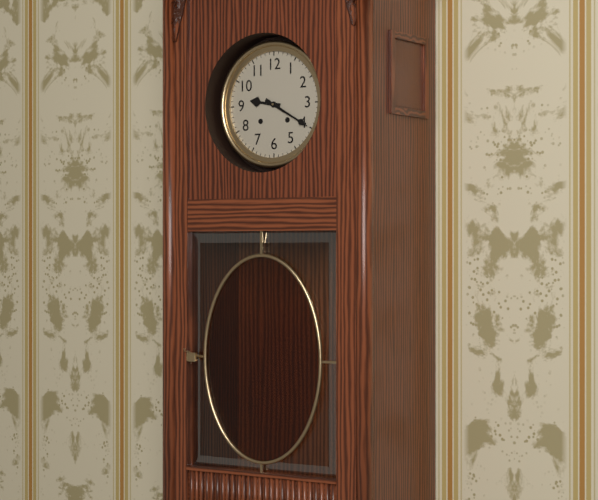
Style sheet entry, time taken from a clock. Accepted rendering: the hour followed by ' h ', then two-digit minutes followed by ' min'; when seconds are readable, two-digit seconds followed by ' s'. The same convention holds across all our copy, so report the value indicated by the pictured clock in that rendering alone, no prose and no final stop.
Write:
9 h 20 min
